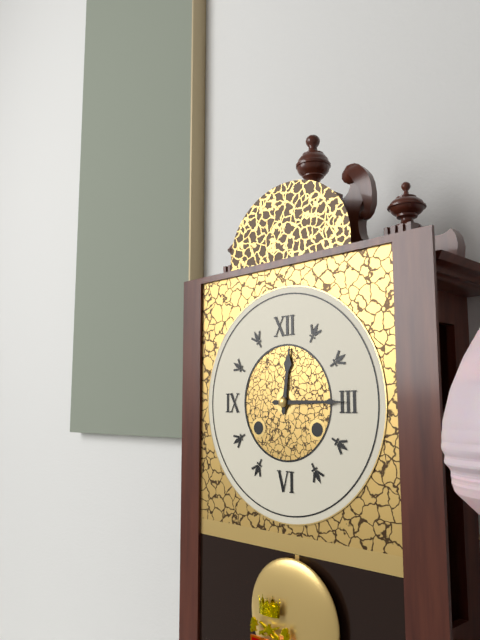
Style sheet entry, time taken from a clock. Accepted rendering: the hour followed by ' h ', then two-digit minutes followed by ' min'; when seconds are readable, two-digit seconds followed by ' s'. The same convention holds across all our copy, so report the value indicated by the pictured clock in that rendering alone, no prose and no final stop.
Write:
12 h 15 min
